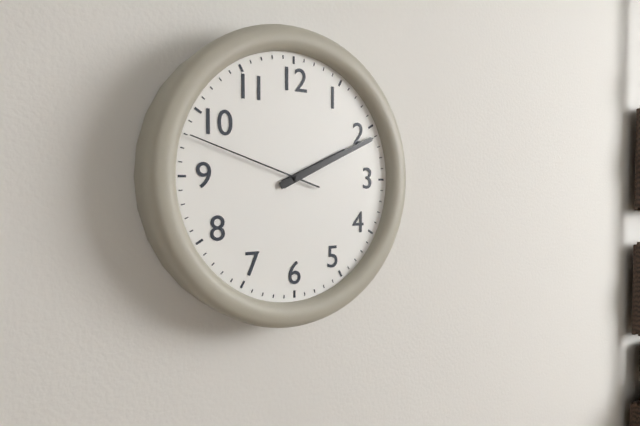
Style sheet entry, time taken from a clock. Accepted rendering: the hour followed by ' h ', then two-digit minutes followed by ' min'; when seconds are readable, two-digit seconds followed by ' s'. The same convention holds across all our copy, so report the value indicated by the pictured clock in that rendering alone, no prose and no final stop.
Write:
2 h 11 min 48 s
